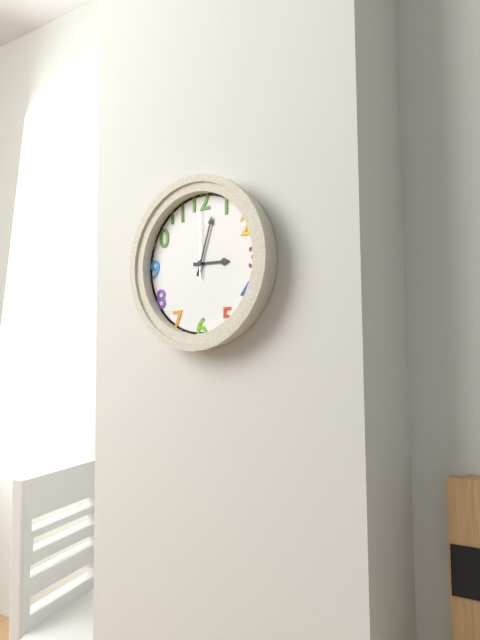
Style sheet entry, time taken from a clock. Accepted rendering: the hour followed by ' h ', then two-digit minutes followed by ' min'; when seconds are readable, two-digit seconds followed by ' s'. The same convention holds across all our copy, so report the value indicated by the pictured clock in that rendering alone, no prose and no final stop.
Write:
3 h 03 min 00 s
